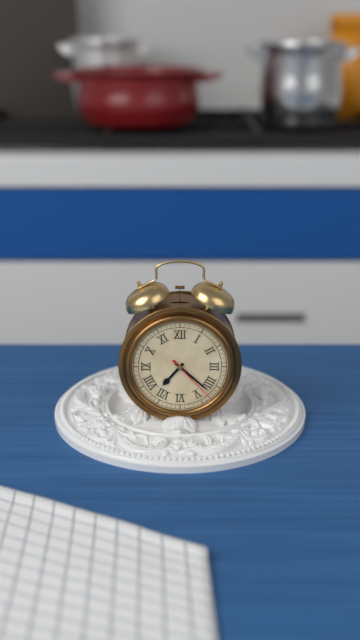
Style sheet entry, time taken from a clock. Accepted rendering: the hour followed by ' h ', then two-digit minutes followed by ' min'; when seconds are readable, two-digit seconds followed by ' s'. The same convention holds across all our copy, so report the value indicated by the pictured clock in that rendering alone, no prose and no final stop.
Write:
7 h 22 min 23 s
